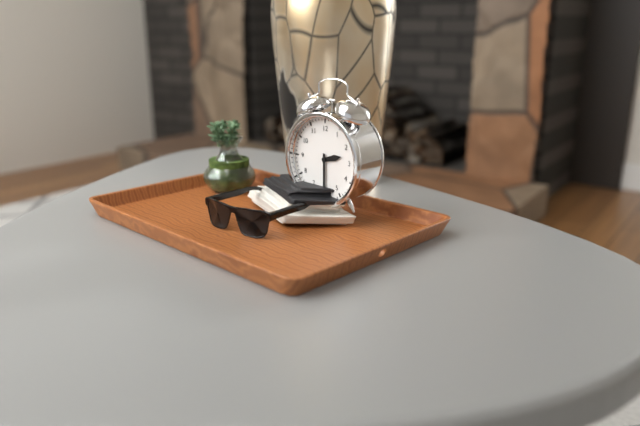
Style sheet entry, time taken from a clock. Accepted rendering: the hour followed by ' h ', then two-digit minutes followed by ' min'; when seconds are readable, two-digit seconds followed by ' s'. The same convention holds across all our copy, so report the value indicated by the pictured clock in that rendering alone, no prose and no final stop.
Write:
2 h 30 min
